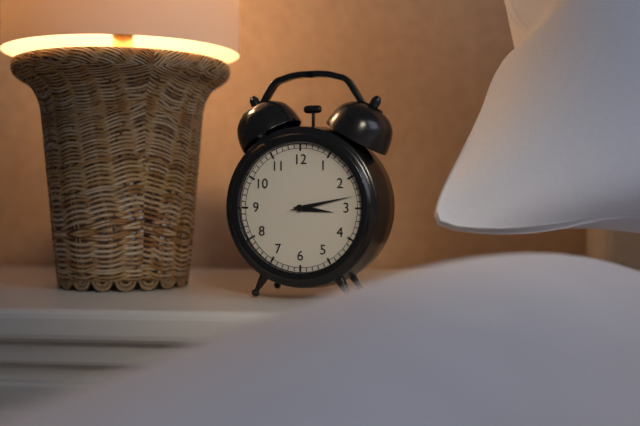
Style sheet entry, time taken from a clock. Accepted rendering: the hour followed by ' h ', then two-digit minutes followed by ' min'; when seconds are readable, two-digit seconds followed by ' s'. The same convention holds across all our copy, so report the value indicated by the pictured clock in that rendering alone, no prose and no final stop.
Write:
3 h 13 min
